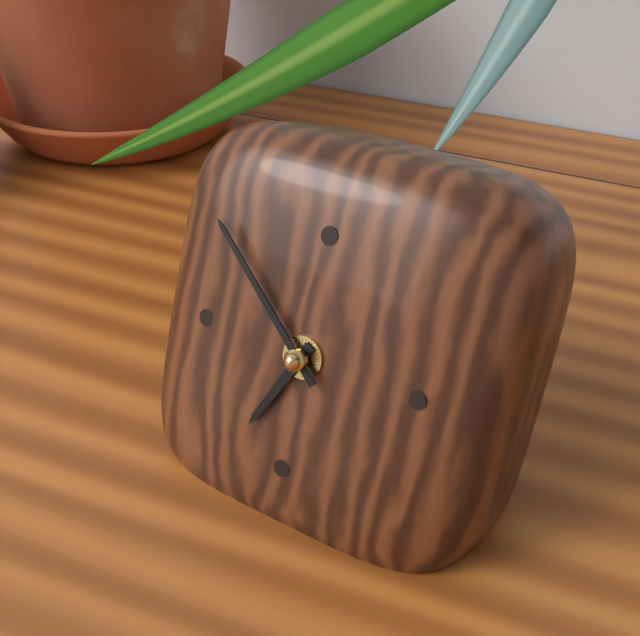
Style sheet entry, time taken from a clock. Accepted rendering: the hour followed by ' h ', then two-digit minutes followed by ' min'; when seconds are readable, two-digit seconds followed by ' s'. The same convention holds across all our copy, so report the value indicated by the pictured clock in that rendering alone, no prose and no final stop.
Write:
6 h 52 min
